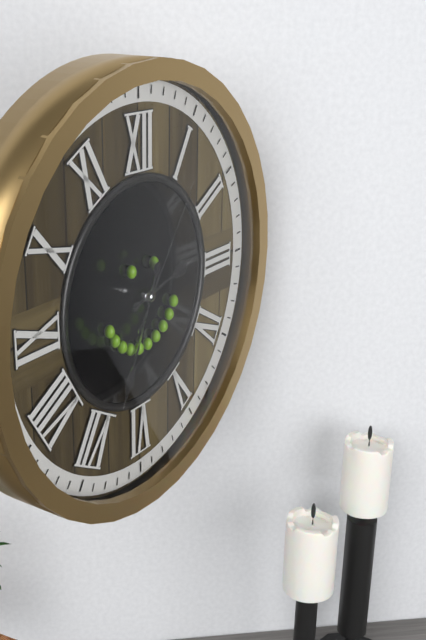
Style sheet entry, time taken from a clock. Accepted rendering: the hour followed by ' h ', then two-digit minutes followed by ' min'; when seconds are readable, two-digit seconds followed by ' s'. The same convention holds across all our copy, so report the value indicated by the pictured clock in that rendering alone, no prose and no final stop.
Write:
2 h 34 min 06 s
